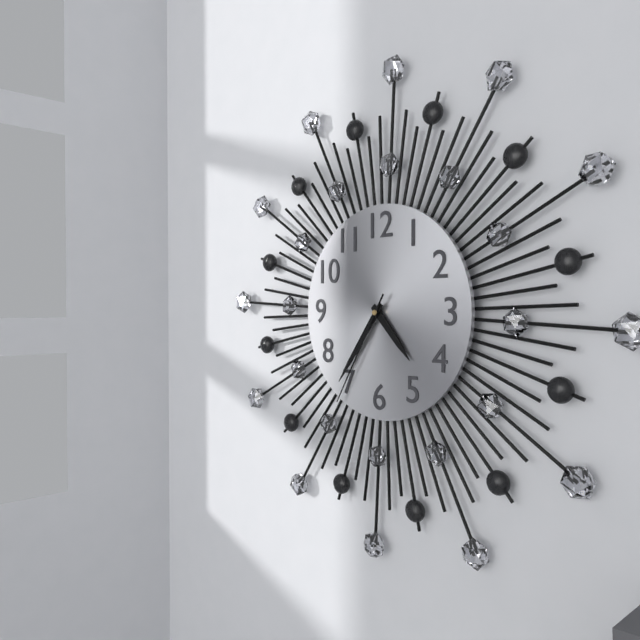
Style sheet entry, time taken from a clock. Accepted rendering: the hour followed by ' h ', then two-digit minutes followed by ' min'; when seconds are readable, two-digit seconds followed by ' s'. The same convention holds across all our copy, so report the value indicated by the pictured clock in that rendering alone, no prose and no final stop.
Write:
4 h 36 min 35 s
